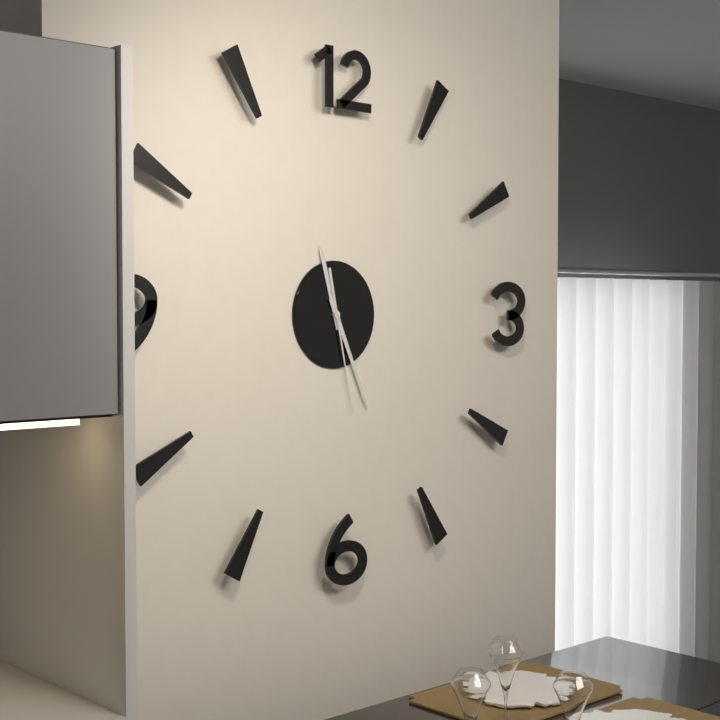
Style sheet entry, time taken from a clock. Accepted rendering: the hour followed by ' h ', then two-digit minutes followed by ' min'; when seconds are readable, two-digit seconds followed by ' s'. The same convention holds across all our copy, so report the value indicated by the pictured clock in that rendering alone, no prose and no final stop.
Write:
11 h 26 min 28 s
